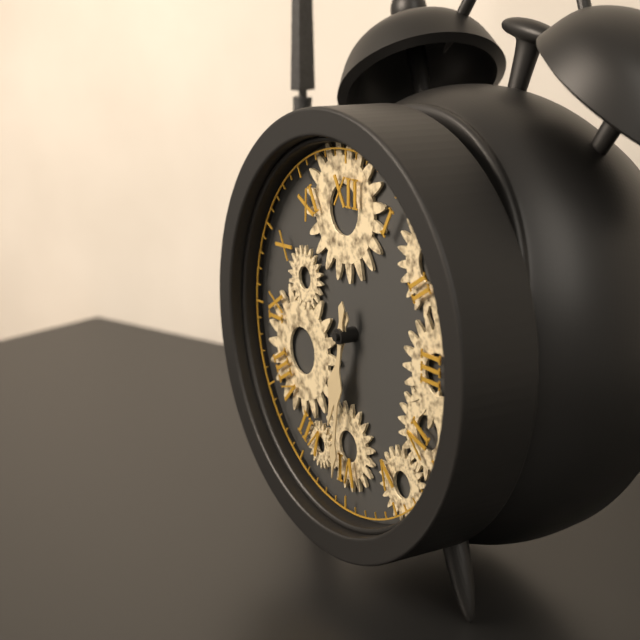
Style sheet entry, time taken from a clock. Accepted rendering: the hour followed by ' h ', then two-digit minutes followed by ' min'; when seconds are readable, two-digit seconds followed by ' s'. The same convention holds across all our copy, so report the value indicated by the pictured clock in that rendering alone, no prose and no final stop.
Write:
6 h 31 min
